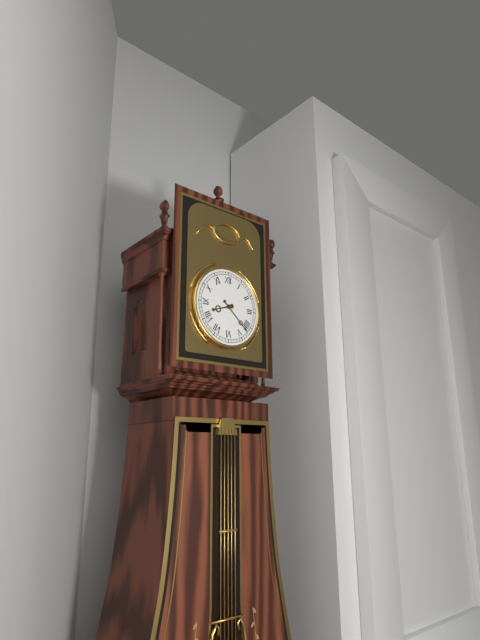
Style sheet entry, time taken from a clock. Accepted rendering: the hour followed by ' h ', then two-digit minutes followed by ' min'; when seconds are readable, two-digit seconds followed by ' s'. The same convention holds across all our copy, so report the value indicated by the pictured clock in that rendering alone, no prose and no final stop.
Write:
8 h 22 min
